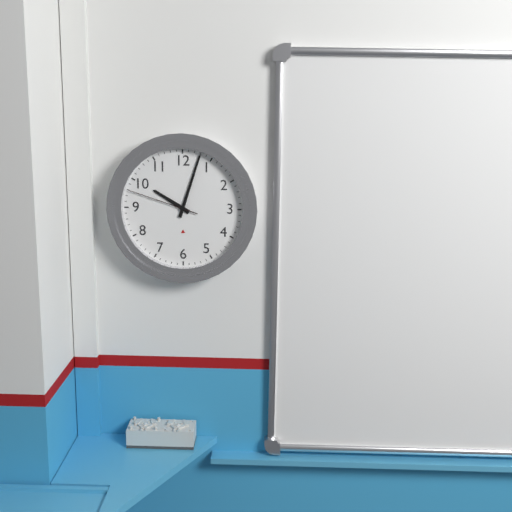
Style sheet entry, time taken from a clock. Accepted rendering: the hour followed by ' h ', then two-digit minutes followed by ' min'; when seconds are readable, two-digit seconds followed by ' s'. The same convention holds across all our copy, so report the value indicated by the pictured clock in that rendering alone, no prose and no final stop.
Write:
10 h 03 min 48 s
